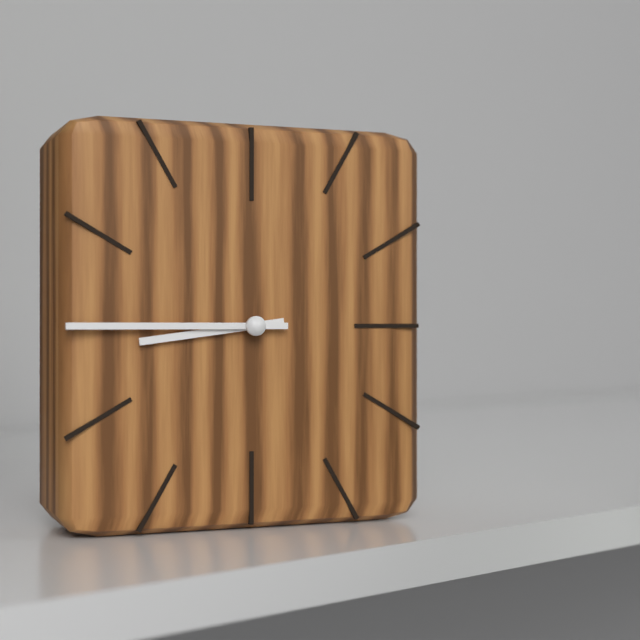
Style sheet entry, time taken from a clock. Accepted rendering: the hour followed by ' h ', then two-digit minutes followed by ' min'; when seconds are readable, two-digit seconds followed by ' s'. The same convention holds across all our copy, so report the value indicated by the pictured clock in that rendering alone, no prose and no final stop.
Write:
8 h 45 min
